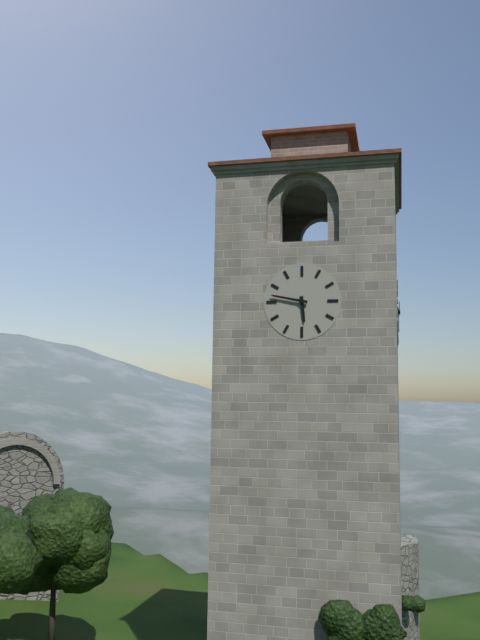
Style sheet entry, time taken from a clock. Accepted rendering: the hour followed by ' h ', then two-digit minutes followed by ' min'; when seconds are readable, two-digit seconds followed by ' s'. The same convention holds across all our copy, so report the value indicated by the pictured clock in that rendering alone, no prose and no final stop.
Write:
5 h 47 min
